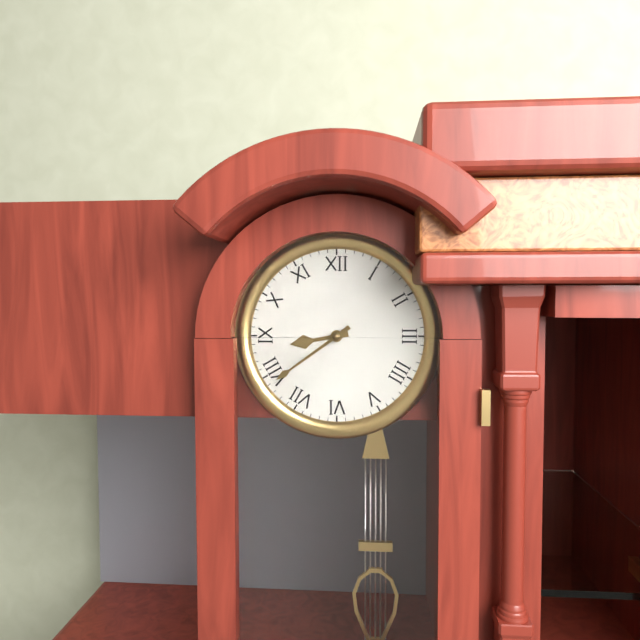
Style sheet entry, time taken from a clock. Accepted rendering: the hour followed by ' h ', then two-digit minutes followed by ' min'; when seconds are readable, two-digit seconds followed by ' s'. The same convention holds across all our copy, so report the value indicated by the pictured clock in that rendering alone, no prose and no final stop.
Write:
8 h 39 min
